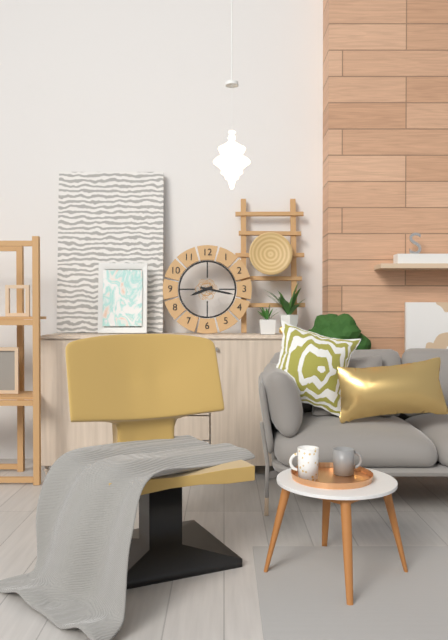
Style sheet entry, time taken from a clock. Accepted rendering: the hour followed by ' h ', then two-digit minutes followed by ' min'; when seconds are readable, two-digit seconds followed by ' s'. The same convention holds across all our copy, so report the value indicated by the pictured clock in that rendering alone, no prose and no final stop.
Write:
8 h 17 min
